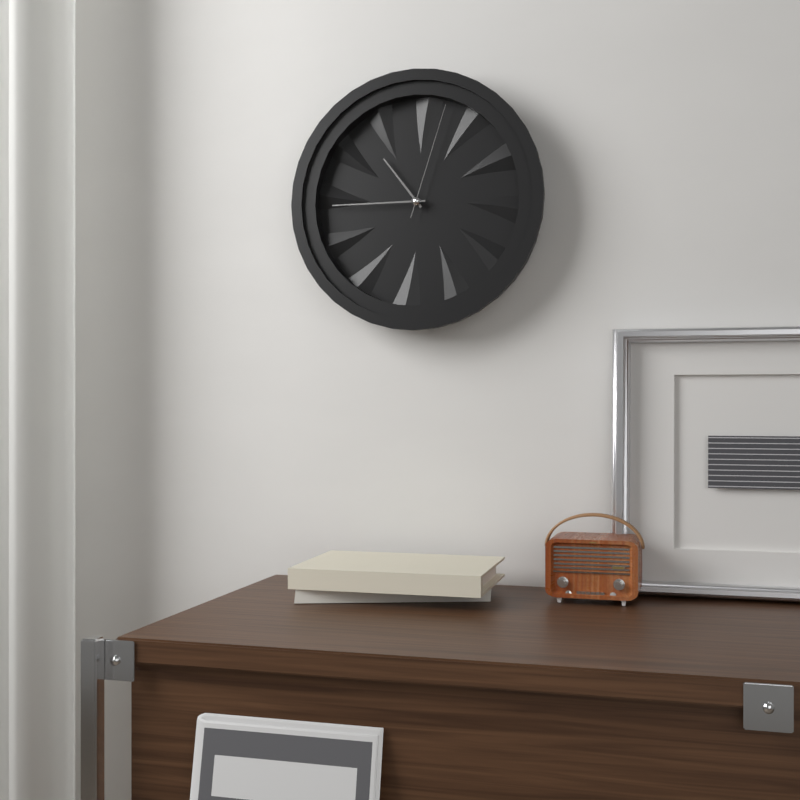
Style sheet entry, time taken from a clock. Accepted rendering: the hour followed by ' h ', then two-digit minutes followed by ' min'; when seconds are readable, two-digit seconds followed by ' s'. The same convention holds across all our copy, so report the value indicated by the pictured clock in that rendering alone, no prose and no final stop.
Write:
10 h 45 min 03 s
